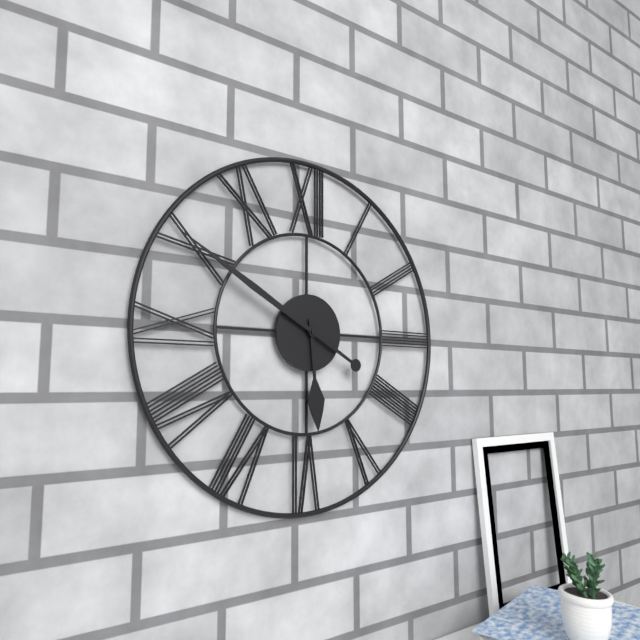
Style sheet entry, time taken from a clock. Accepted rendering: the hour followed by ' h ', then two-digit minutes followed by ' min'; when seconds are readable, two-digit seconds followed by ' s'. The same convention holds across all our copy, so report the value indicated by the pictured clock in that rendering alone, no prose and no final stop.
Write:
5 h 50 min
